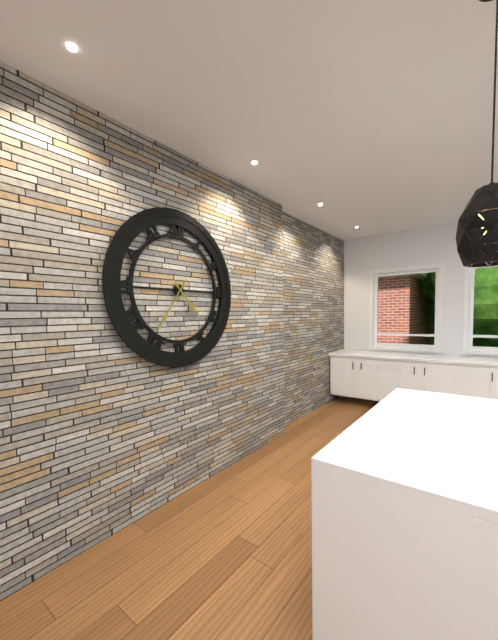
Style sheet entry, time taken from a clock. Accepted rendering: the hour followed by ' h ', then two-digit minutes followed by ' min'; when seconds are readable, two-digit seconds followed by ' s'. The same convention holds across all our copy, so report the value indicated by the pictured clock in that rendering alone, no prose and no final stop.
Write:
4 h 36 min
